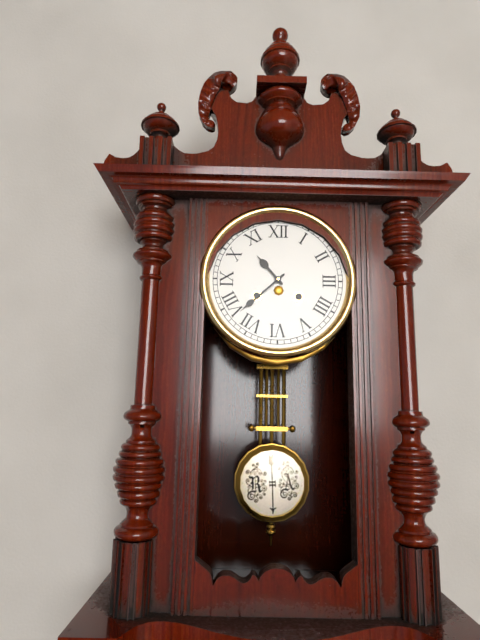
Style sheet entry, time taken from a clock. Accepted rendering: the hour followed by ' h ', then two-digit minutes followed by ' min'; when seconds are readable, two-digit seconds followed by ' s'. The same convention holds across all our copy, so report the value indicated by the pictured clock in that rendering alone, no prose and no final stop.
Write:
10 h 38 min
